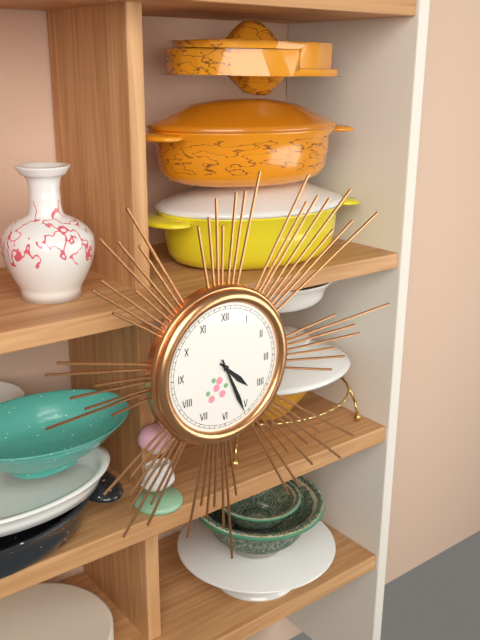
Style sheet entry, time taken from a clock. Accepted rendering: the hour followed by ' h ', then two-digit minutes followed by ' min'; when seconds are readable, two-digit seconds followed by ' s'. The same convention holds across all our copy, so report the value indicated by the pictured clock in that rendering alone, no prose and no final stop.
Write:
4 h 26 min
